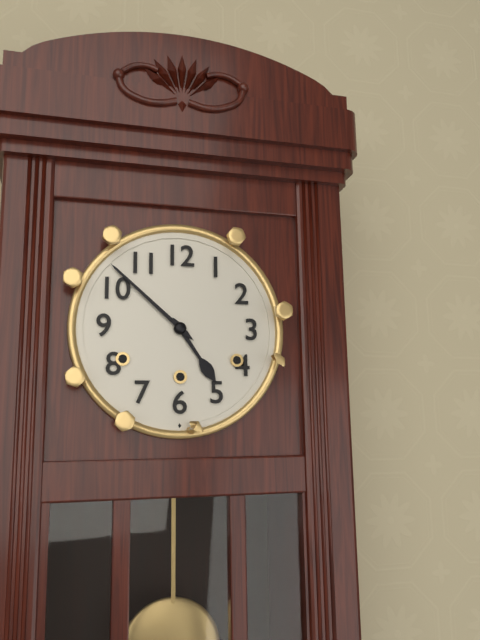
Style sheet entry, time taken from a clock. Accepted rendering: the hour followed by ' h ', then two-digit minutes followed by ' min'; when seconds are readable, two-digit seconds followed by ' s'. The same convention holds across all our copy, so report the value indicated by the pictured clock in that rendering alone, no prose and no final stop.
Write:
4 h 52 min
